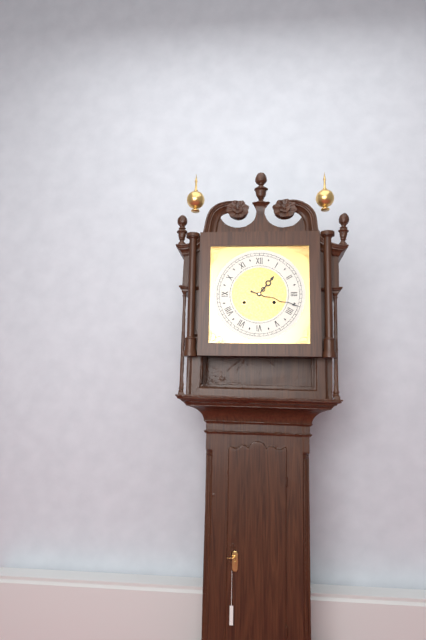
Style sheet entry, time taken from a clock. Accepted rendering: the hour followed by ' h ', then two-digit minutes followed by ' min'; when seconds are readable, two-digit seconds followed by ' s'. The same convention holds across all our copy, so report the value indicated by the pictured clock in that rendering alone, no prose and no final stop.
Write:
1 h 18 min
